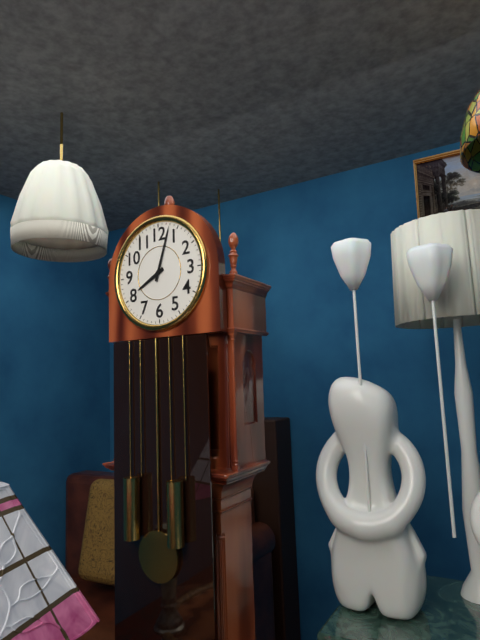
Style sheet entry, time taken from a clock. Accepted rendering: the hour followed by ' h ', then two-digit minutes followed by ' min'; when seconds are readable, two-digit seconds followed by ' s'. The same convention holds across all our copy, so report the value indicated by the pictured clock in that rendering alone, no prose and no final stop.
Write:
8 h 03 min
